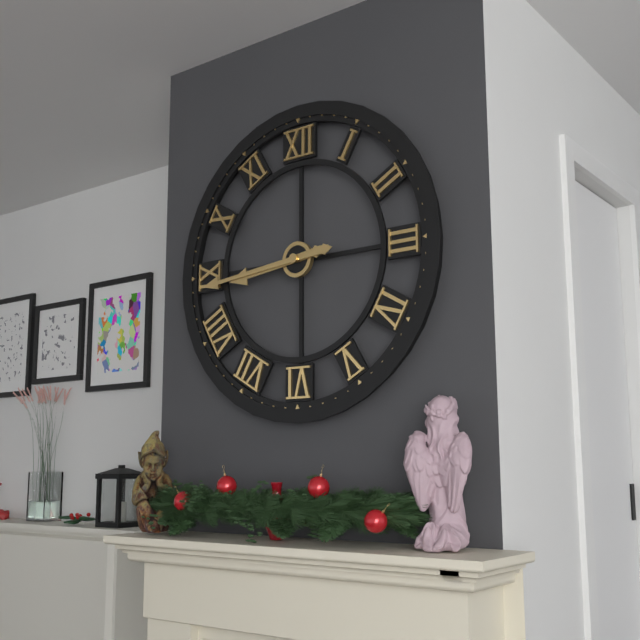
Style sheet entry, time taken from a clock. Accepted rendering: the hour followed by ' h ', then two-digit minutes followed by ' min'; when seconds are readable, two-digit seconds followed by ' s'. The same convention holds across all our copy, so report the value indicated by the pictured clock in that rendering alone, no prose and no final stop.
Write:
8 h 44 min
